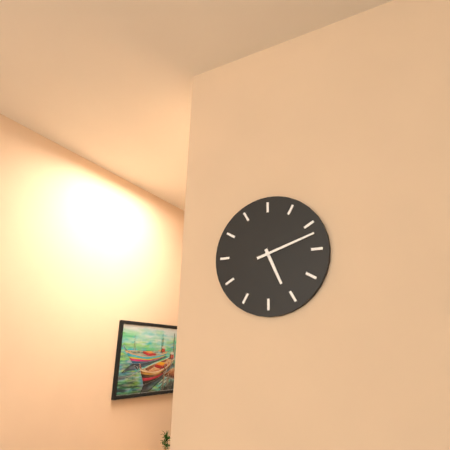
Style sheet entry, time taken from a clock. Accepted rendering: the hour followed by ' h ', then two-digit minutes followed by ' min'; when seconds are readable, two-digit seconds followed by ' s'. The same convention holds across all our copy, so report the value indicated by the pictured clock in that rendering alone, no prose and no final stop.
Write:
5 h 12 min
